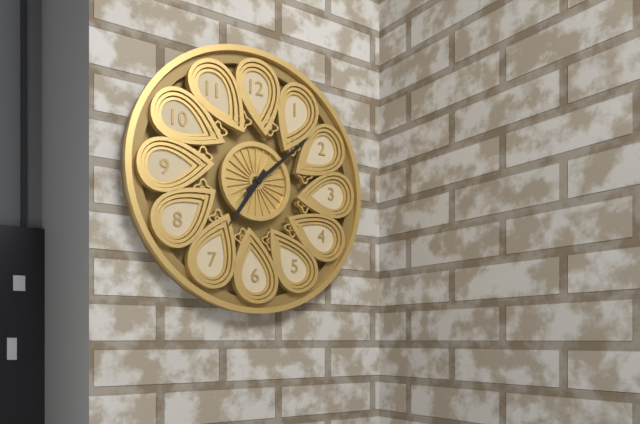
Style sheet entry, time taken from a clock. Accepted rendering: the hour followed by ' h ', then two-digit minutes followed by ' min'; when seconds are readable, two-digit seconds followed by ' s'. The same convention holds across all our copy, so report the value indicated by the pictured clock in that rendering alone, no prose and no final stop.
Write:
7 h 08 min
